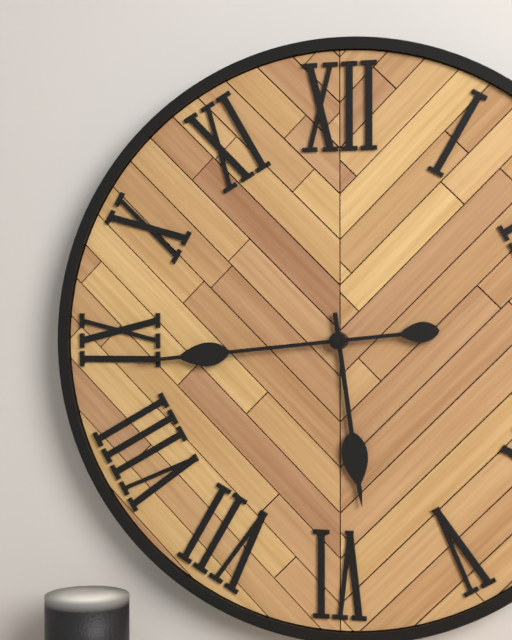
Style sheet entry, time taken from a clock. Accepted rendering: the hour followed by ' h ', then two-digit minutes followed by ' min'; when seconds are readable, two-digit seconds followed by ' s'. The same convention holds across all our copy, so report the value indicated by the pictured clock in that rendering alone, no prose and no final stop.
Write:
5 h 44 min
